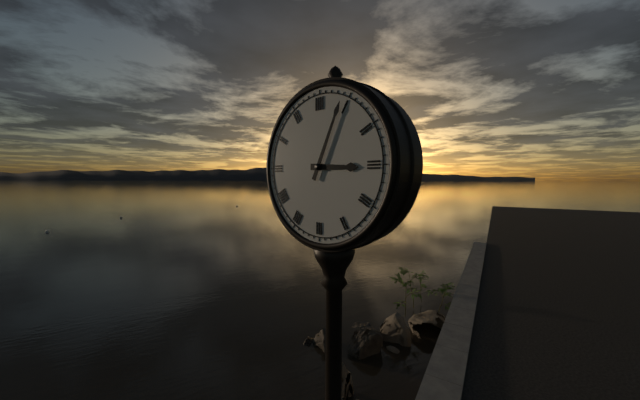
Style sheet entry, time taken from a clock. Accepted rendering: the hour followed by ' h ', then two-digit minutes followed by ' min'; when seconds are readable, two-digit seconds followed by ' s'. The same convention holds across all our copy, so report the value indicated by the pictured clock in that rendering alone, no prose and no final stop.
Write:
3 h 04 min
